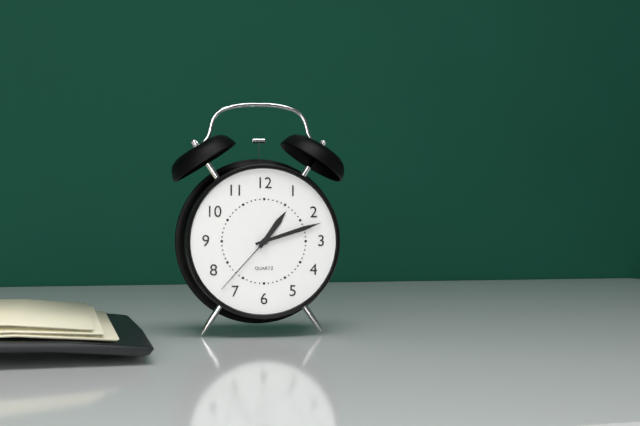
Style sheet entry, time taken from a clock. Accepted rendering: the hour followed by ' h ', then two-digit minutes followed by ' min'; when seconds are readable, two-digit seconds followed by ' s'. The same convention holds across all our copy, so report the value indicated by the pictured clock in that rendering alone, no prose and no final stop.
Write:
1 h 12 min 37 s
